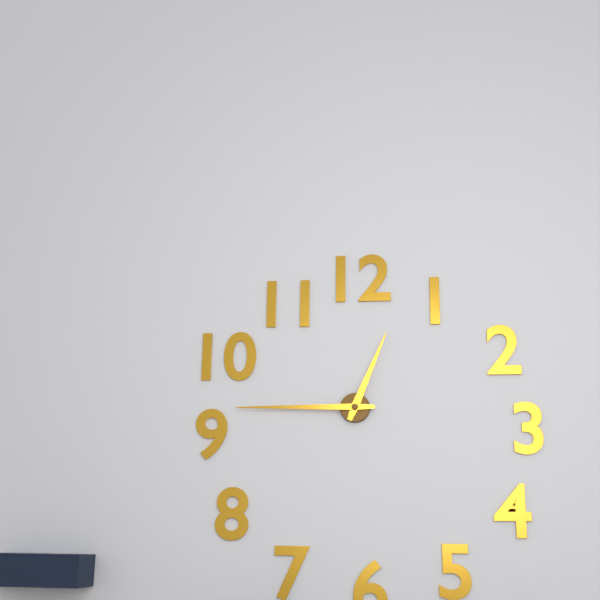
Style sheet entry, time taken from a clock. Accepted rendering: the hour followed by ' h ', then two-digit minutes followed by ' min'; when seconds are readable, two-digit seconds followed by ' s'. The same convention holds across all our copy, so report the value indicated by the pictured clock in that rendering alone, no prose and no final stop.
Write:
12 h 45 min
